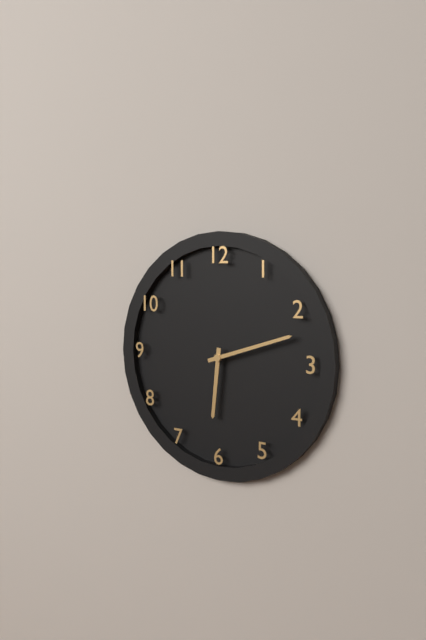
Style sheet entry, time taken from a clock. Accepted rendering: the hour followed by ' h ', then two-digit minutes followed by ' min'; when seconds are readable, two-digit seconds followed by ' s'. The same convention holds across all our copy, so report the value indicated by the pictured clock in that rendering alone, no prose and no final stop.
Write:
6 h 12 min
